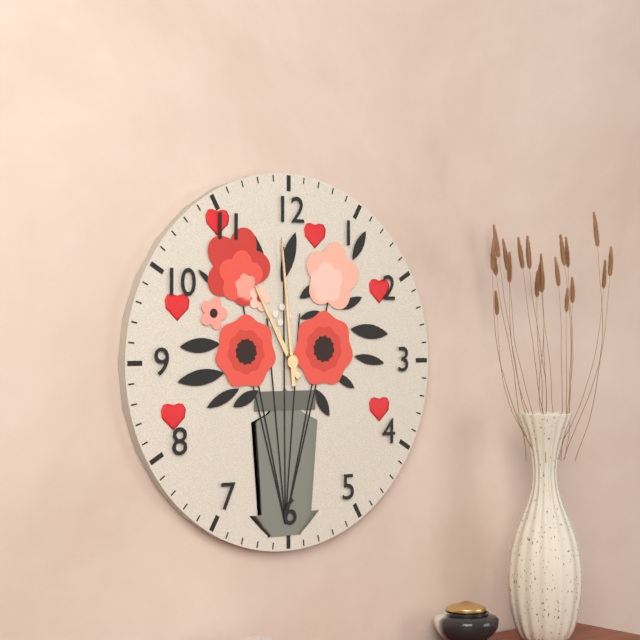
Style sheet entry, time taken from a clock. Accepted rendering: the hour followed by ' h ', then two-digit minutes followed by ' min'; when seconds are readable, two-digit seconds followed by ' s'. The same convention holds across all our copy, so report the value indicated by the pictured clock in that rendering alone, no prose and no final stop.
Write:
10 h 59 min
